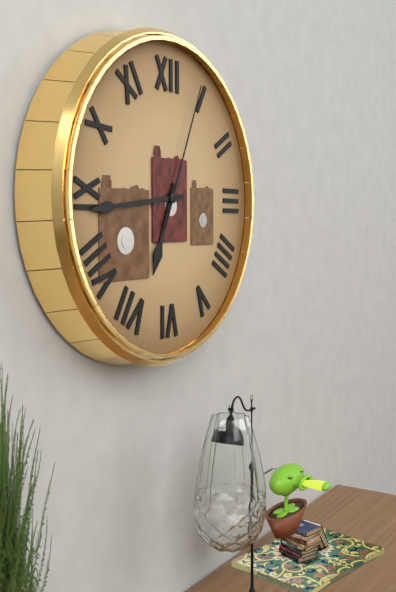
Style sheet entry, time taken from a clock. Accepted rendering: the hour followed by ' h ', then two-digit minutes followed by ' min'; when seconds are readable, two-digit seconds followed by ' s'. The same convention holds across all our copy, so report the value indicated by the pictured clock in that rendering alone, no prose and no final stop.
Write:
6 h 44 min 04 s
